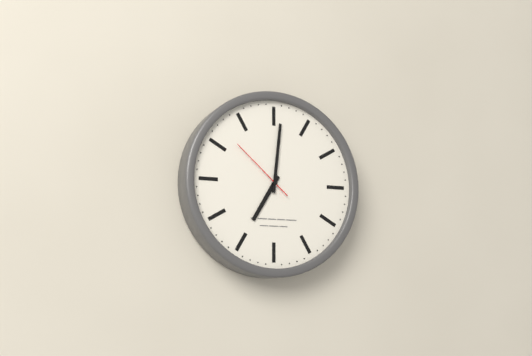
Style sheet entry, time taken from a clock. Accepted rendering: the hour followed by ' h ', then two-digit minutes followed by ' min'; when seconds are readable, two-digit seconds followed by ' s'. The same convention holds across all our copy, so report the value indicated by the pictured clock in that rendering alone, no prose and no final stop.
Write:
7 h 01 min 52 s
